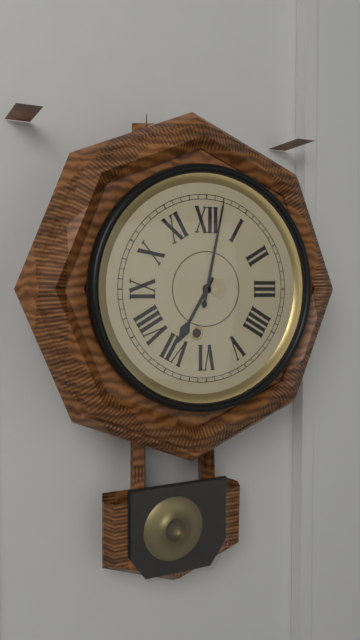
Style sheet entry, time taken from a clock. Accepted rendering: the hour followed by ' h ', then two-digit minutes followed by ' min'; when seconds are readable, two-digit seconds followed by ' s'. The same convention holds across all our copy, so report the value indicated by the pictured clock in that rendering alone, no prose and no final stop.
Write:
7 h 02 min
